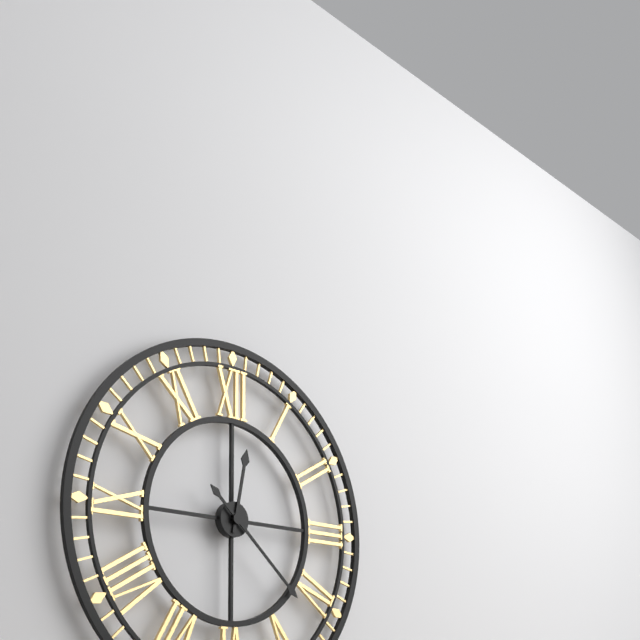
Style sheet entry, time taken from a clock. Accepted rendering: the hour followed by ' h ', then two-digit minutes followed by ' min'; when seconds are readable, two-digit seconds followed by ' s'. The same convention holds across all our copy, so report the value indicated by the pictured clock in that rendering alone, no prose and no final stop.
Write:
12 h 22 min
